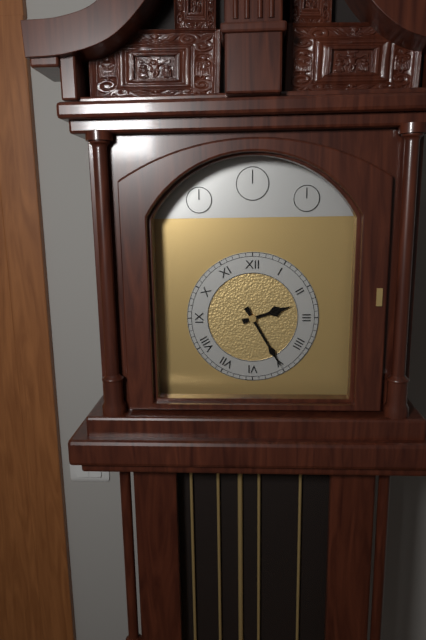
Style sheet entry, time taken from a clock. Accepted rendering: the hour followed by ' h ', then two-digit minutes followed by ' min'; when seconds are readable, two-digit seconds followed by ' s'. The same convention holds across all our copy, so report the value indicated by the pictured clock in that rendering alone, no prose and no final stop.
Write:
2 h 25 min
